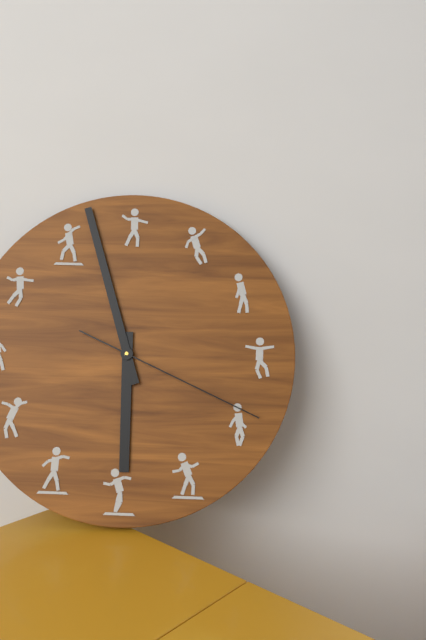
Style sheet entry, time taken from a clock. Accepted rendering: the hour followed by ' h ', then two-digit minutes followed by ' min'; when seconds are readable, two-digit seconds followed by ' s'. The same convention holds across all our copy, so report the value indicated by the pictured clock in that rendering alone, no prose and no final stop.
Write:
5 h 57 min 19 s
